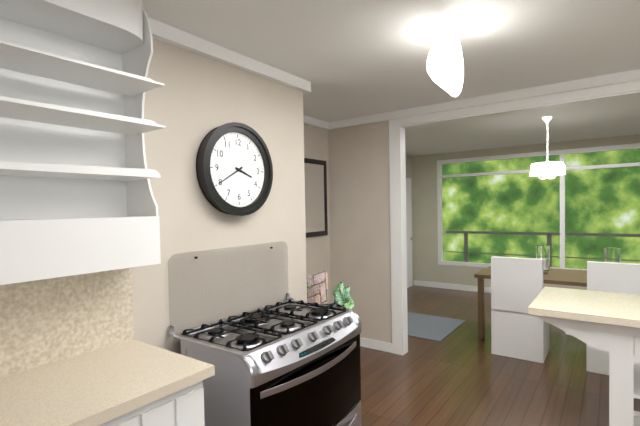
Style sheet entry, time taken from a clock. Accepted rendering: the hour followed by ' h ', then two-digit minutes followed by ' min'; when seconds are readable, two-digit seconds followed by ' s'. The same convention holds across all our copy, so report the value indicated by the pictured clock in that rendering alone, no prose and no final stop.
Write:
3 h 40 min
